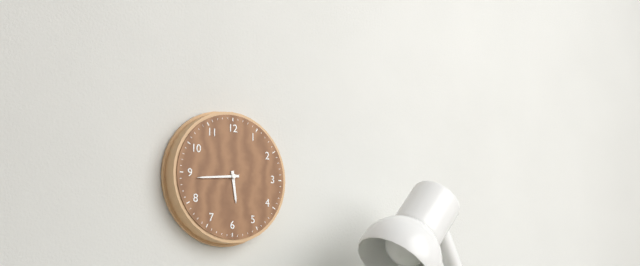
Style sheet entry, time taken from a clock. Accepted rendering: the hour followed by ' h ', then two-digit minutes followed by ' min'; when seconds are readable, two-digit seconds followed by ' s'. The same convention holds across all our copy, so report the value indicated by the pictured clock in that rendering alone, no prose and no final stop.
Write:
5 h 44 min
